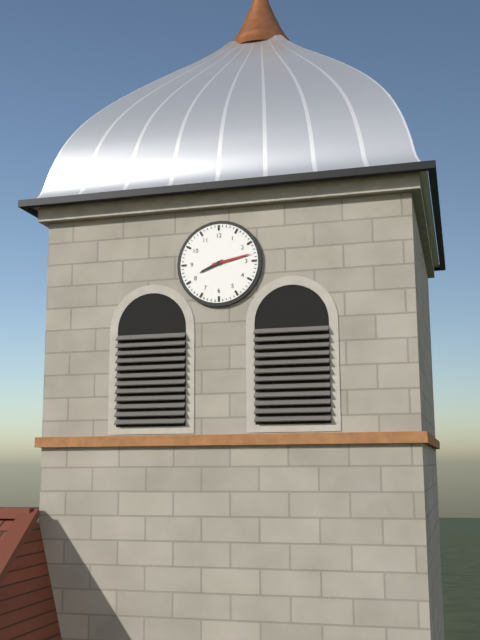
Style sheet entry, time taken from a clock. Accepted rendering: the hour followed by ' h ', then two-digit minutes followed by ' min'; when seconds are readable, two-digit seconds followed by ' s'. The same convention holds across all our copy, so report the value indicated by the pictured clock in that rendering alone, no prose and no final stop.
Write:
8 h 13 min
